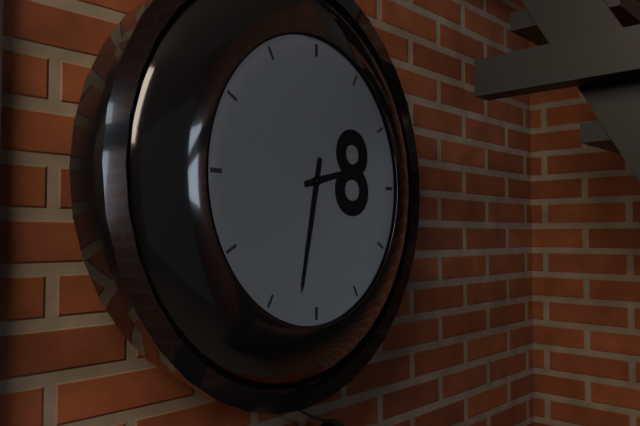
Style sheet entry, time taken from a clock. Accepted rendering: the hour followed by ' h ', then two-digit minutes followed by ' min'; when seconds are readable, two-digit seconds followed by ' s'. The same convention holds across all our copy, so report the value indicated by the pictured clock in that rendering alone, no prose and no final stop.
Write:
2 h 32 min
